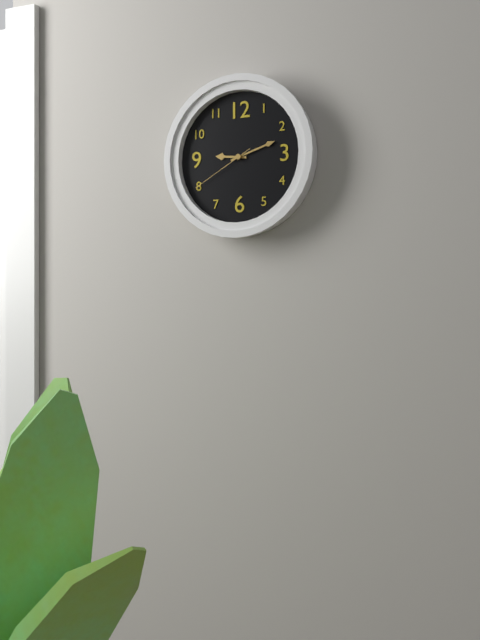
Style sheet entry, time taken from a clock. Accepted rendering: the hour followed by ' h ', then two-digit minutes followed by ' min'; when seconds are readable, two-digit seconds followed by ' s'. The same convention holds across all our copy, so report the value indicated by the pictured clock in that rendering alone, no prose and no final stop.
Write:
9 h 12 min 40 s
